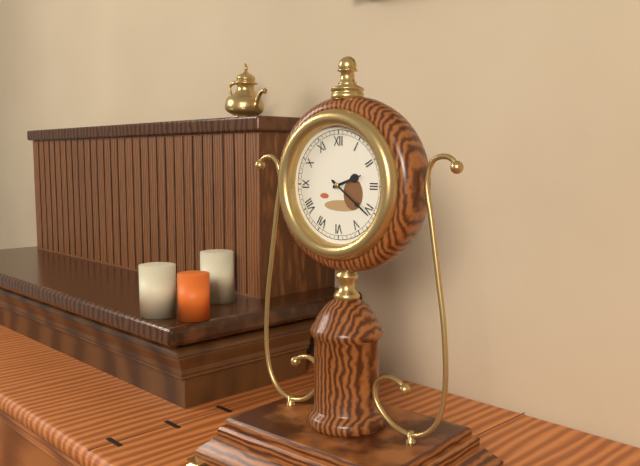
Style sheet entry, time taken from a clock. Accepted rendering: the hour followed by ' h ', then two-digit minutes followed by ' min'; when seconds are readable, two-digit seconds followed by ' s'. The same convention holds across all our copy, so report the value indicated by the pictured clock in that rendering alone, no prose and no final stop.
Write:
2 h 21 min
